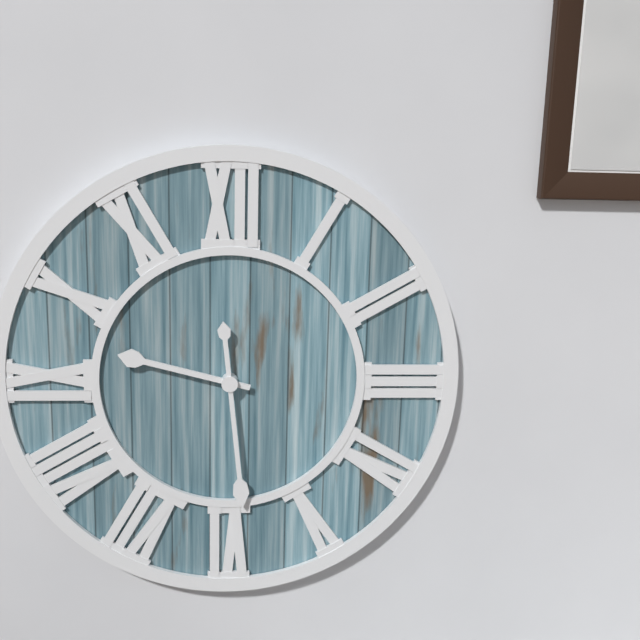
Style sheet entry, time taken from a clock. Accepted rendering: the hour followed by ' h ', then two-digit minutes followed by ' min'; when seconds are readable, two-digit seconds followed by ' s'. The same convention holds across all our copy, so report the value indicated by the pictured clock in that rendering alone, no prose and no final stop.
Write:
9 h 29 min
